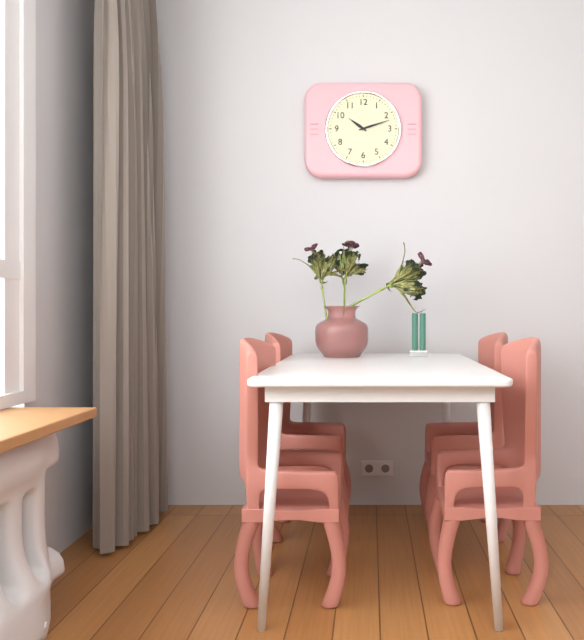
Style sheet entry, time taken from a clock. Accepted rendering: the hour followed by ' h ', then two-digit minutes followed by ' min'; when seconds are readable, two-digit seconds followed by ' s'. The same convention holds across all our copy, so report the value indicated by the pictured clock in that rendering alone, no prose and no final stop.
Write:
10 h 12 min
